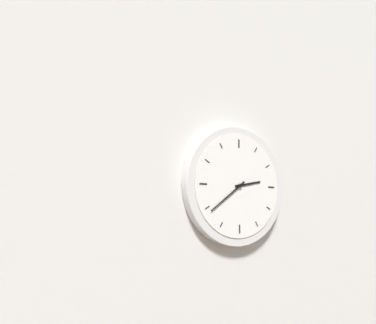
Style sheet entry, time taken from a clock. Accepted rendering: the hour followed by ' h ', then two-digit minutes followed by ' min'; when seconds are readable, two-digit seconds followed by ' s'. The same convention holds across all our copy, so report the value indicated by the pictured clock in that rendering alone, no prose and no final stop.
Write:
2 h 39 min
